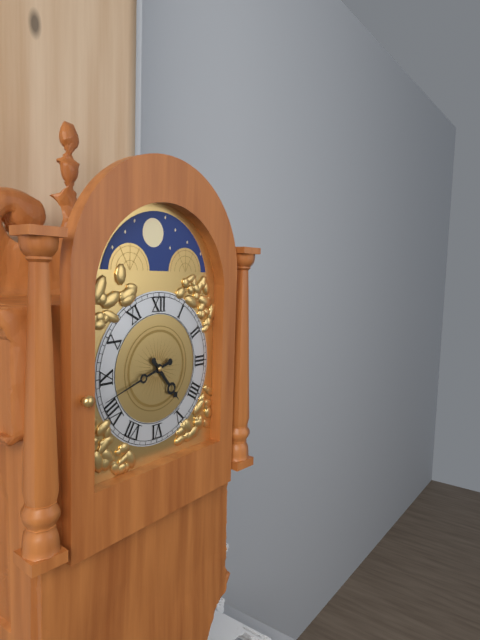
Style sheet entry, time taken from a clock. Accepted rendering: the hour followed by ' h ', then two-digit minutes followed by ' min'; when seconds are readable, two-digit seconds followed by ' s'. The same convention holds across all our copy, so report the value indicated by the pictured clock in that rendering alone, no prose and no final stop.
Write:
4 h 42 min
